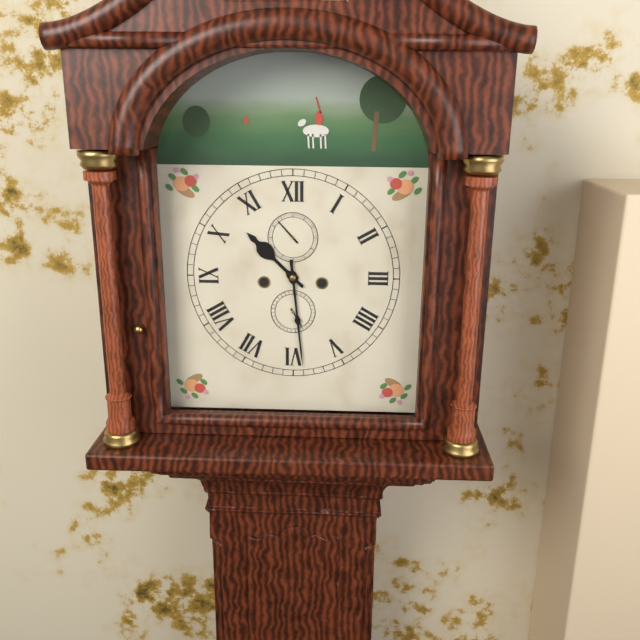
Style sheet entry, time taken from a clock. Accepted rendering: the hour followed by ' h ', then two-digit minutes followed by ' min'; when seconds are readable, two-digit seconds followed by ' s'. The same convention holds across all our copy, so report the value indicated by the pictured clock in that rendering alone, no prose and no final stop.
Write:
10 h 29 min
